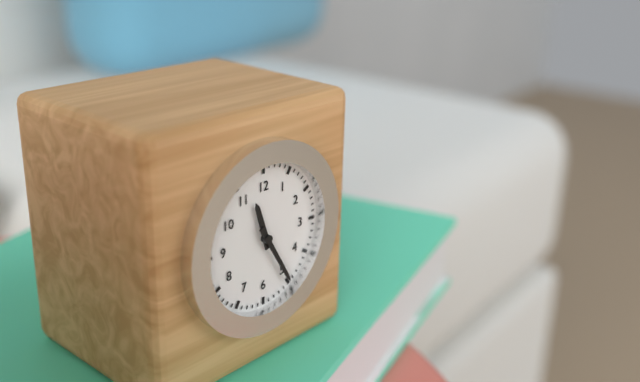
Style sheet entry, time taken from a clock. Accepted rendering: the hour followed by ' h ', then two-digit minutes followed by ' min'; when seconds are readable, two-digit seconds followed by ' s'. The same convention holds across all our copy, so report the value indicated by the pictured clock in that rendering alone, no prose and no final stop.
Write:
11 h 25 min
